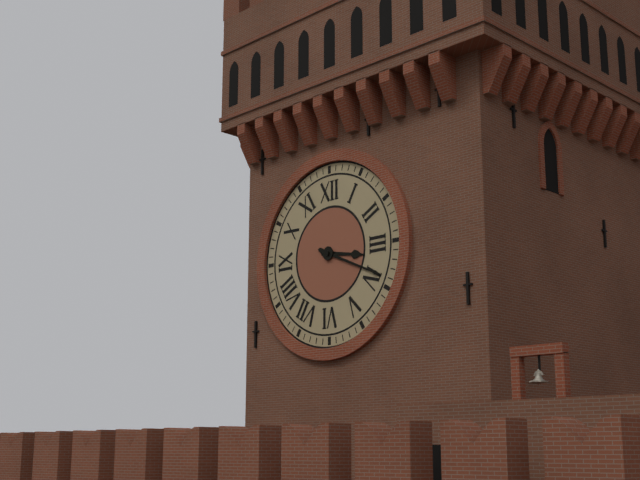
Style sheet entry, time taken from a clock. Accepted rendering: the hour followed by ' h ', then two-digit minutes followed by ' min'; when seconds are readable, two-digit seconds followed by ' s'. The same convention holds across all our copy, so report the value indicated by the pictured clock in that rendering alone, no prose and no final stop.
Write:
3 h 19 min
